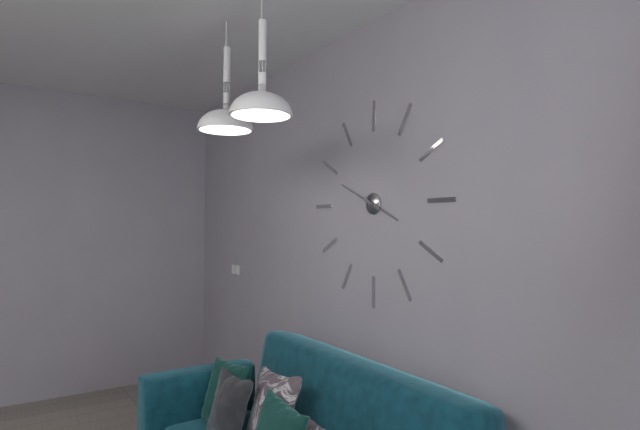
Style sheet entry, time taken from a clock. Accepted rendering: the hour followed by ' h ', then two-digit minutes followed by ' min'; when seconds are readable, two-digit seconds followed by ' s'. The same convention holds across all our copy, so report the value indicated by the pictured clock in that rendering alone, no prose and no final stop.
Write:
3 h 49 min
